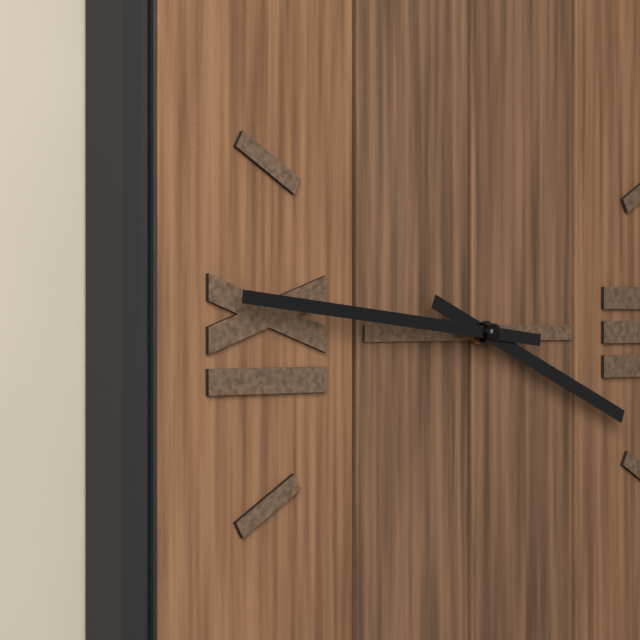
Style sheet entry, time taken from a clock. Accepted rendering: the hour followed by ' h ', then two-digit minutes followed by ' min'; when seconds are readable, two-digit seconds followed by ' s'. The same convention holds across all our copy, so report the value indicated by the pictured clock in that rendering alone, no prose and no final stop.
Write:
3 h 46 min
